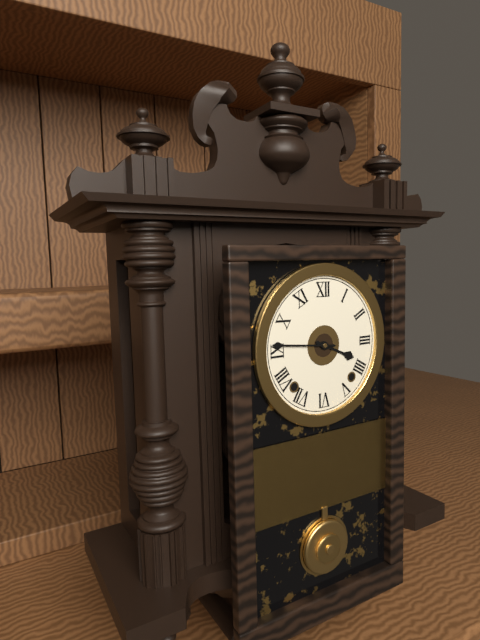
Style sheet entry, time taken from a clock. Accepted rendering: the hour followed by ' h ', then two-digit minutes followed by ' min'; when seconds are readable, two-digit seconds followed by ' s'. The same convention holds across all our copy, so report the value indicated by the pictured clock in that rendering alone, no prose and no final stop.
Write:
3 h 46 min
